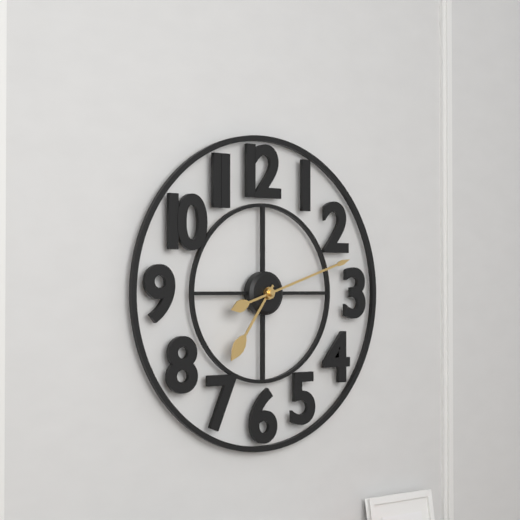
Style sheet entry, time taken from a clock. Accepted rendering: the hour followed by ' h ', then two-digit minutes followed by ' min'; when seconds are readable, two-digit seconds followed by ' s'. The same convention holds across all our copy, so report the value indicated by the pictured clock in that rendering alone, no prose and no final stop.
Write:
7 h 12 min
